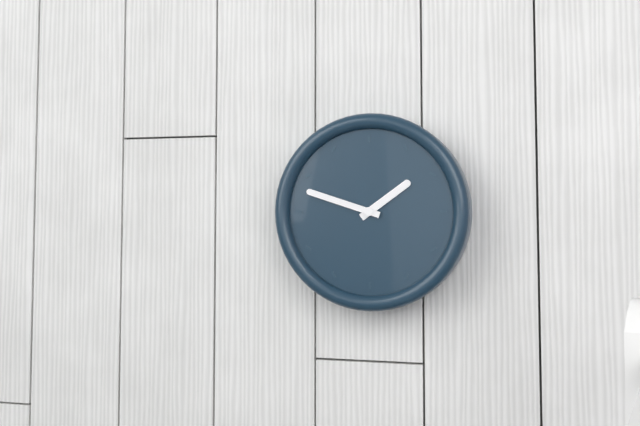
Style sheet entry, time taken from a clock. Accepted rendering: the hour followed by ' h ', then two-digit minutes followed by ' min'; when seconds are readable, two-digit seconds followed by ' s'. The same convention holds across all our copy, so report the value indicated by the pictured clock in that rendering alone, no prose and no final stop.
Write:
1 h 48 min
